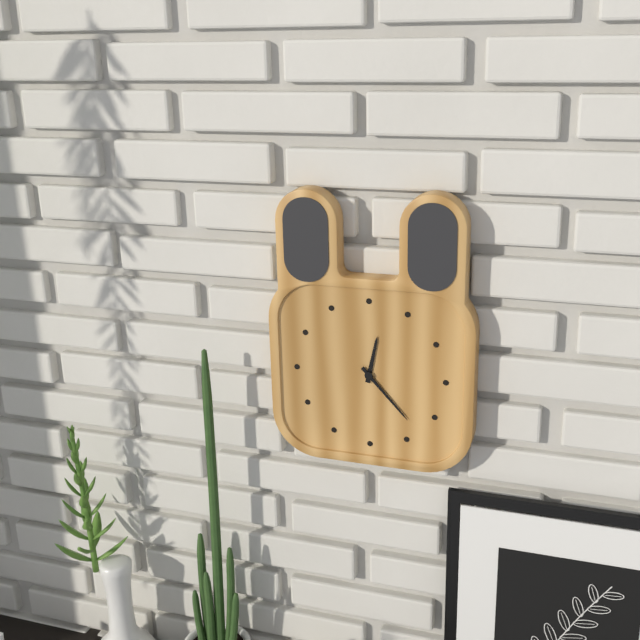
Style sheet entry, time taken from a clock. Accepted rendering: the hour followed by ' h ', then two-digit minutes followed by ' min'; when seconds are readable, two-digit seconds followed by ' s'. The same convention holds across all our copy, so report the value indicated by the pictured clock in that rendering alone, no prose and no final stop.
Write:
12 h 23 min
